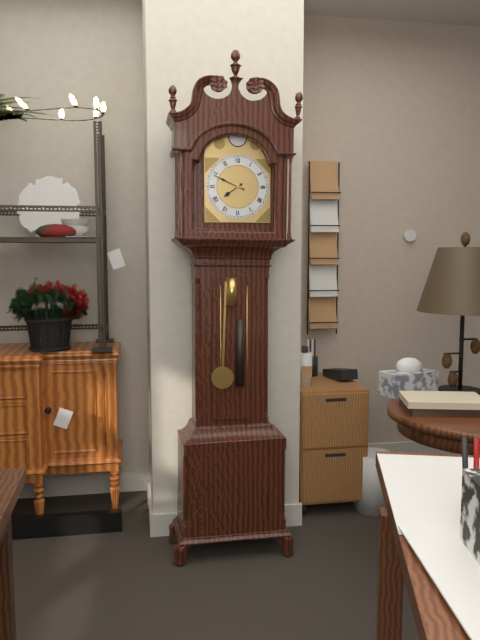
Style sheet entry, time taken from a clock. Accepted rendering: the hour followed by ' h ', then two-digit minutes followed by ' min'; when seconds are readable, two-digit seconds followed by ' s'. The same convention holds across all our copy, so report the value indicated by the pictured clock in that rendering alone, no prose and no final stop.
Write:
7 h 49 min
